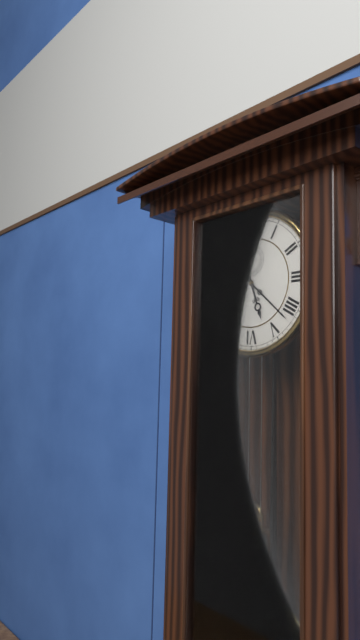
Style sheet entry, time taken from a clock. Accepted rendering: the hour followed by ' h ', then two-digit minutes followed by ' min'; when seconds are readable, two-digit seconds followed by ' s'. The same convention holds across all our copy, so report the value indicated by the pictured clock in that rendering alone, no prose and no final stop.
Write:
5 h 22 min
